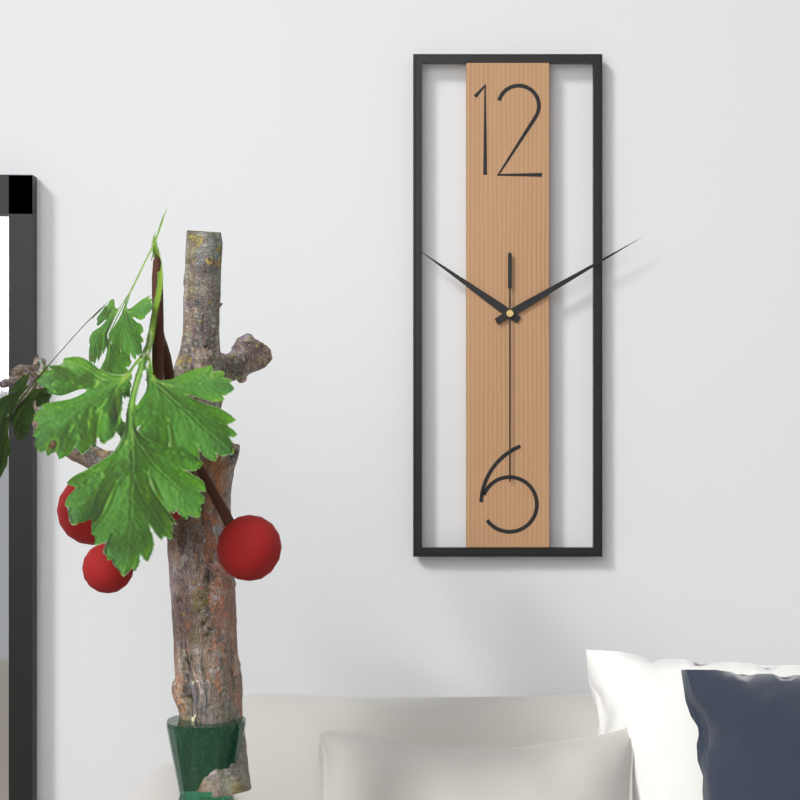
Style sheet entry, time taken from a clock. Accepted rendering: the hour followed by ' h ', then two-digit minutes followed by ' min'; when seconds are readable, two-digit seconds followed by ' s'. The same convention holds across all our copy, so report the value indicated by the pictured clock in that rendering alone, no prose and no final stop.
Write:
10 h 10 min 30 s
